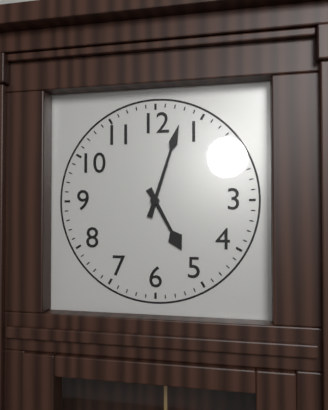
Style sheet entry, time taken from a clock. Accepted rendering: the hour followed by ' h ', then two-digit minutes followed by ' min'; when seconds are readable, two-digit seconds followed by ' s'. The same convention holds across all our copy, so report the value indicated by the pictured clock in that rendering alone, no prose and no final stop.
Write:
5 h 03 min
